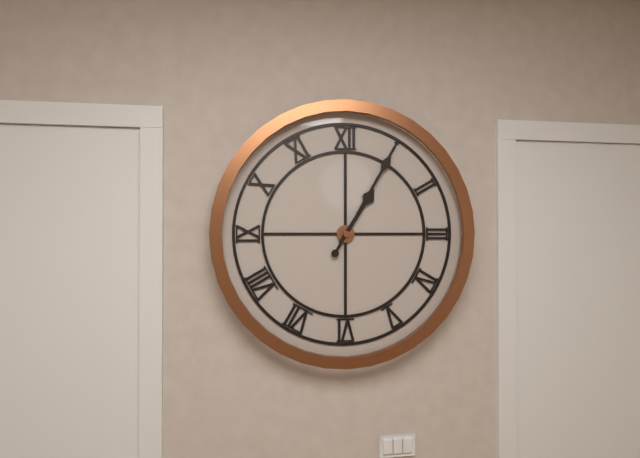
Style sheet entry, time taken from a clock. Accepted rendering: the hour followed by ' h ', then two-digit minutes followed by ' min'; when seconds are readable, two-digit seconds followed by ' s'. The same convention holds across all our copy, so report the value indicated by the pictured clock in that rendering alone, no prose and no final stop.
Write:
1 h 05 min
